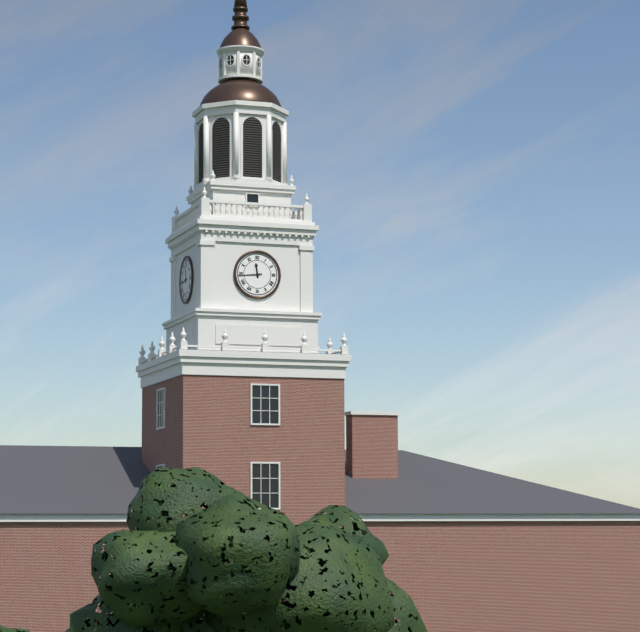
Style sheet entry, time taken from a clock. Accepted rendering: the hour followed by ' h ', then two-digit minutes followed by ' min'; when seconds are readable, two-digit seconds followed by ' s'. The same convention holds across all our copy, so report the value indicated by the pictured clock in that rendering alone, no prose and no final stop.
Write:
11 h 44 min
